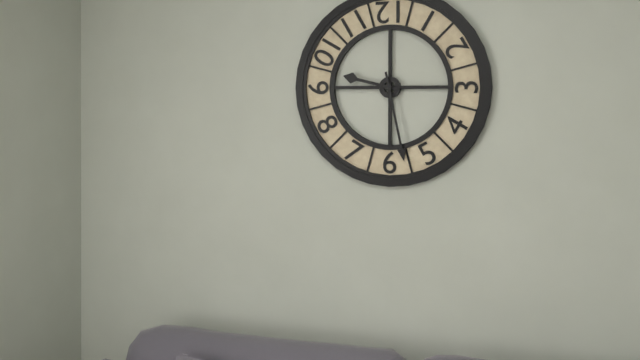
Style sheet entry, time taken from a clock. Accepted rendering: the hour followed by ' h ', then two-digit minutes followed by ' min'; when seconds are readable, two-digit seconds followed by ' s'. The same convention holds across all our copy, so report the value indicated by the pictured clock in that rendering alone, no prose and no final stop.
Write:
9 h 28 min
